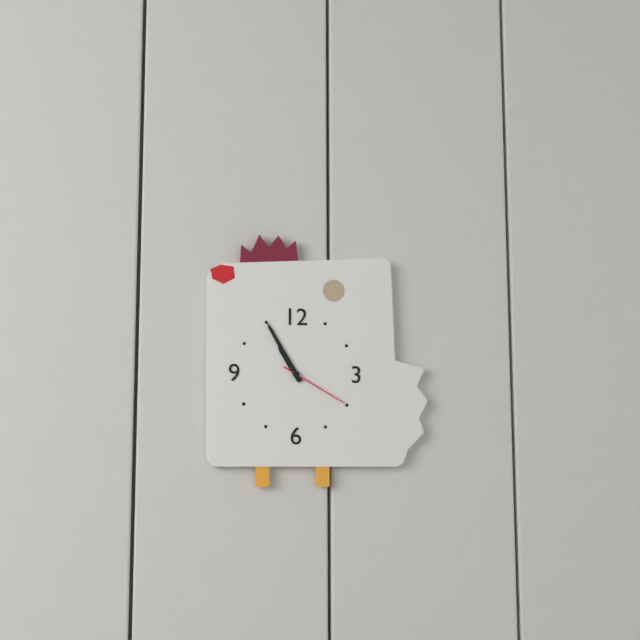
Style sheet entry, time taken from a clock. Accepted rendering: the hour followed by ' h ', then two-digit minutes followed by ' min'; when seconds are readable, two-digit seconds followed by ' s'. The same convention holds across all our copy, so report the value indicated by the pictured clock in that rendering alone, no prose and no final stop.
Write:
10 h 55 min 20 s
